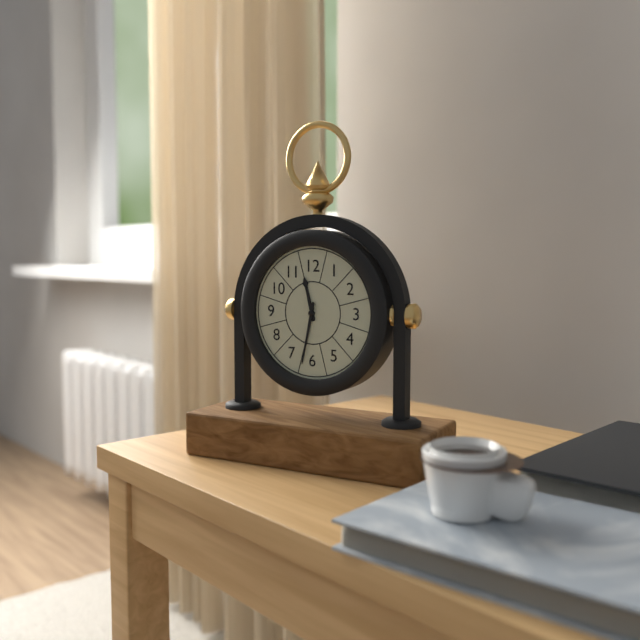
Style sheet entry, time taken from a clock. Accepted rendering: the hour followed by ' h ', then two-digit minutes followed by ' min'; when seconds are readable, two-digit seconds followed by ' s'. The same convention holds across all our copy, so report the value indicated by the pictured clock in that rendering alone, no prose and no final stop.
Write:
11 h 32 min
